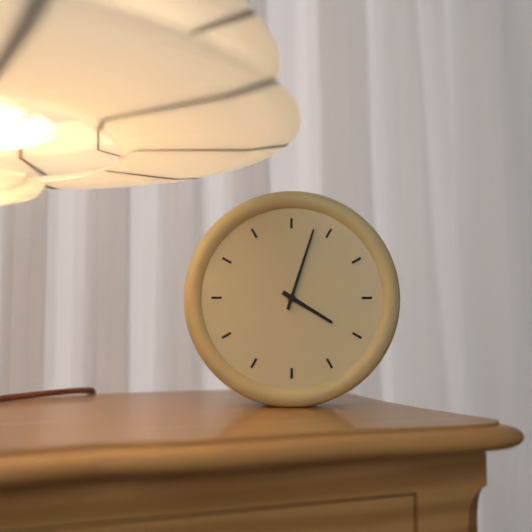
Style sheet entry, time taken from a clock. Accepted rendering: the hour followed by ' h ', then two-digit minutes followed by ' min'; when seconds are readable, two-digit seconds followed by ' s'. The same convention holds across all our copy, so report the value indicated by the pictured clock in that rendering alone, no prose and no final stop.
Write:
4 h 03 min
